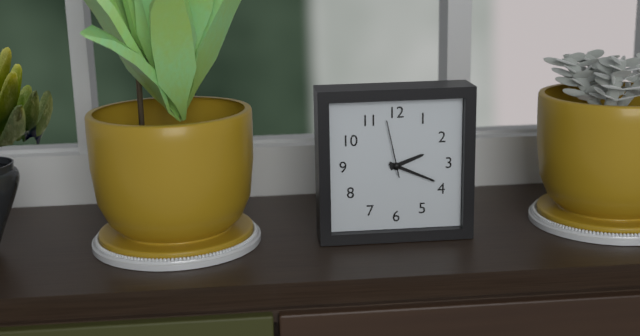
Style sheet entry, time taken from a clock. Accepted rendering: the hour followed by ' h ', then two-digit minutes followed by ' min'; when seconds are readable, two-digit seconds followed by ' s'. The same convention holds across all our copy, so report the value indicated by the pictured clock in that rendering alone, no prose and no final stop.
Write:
2 h 19 min 58 s
